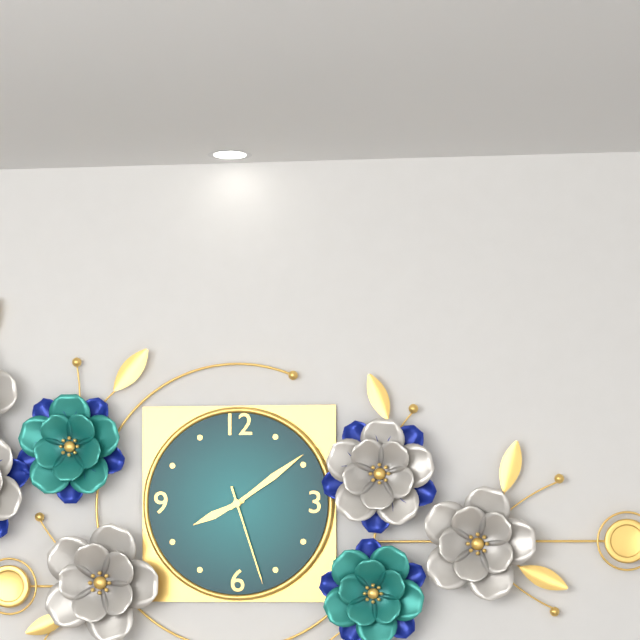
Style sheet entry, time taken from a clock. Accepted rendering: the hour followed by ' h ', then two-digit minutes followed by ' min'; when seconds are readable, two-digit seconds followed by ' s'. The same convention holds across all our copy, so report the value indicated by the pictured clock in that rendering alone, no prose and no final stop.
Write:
8 h 09 min 27 s
